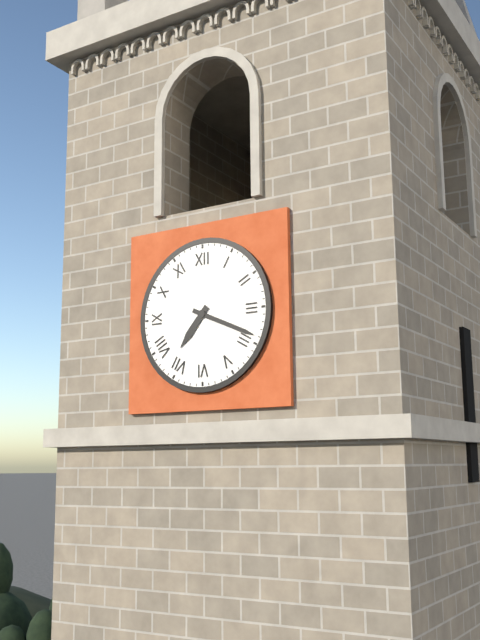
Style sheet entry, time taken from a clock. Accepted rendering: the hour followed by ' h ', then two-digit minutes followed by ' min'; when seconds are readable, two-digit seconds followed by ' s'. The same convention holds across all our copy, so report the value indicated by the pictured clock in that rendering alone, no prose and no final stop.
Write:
7 h 19 min
